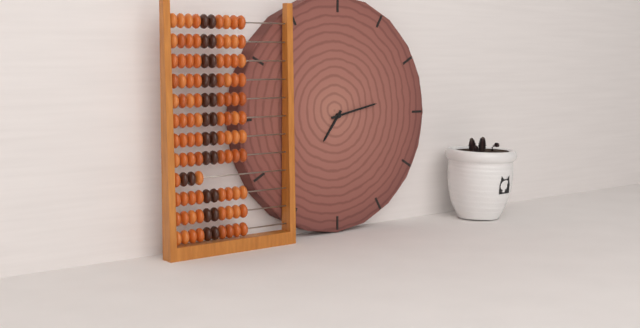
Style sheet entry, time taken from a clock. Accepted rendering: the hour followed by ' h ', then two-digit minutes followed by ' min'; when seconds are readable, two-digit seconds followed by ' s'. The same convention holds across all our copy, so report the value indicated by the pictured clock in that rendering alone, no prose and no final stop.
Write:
7 h 13 min
